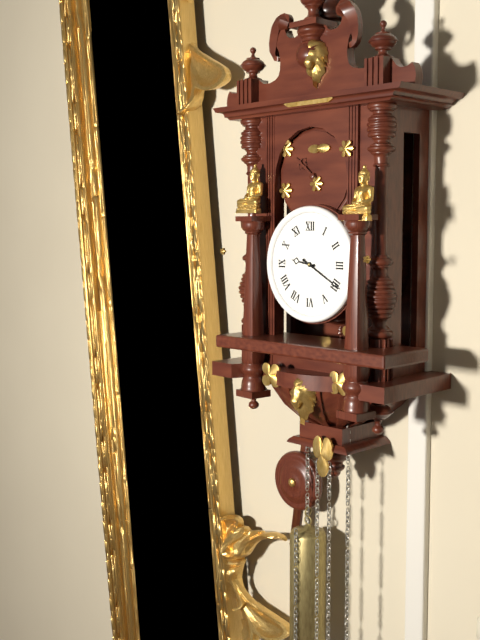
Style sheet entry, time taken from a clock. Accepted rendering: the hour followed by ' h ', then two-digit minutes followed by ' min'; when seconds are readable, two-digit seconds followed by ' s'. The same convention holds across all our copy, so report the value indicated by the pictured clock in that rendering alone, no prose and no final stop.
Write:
9 h 20 min
